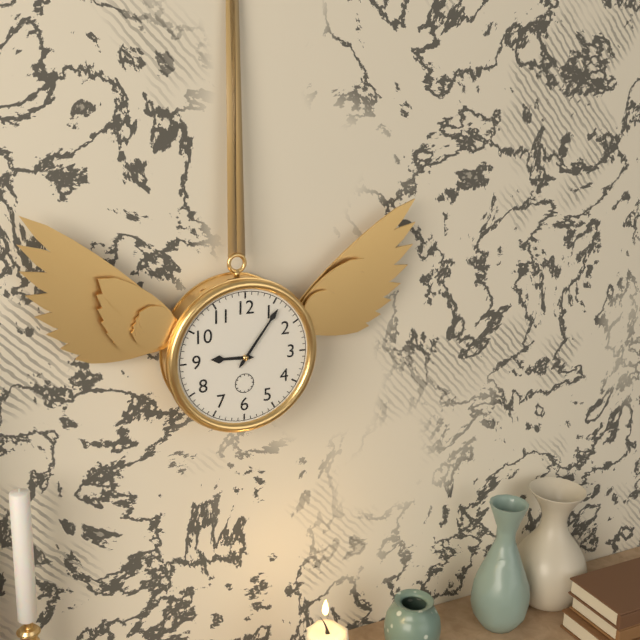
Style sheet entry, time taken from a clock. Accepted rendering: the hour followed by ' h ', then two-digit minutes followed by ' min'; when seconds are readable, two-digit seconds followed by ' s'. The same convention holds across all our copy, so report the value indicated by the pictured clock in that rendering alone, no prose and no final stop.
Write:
9 h 06 min
